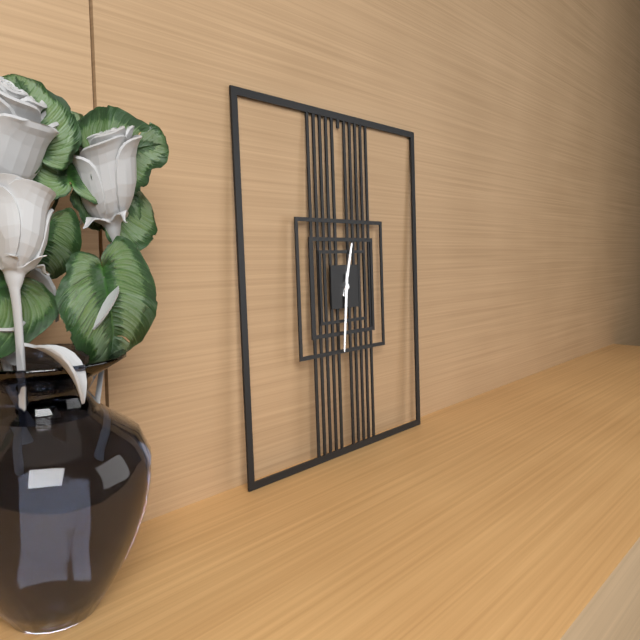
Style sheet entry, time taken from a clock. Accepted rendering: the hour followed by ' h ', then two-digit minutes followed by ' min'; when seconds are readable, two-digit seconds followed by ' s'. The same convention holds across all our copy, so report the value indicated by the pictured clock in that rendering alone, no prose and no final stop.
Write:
12 h 31 min
